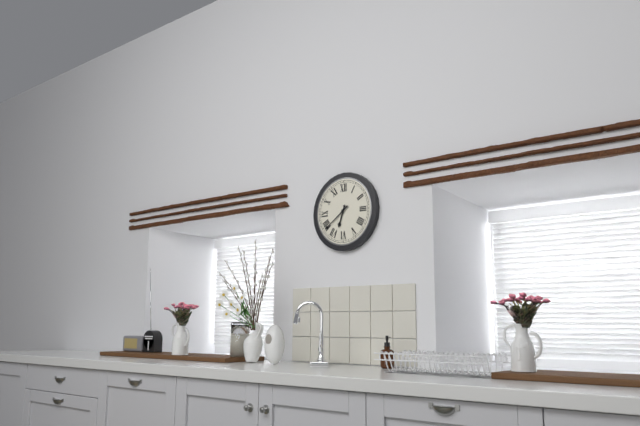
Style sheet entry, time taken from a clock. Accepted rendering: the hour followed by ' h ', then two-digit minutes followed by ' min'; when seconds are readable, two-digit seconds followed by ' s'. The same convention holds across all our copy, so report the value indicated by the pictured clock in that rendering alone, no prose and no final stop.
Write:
6 h 39 min
